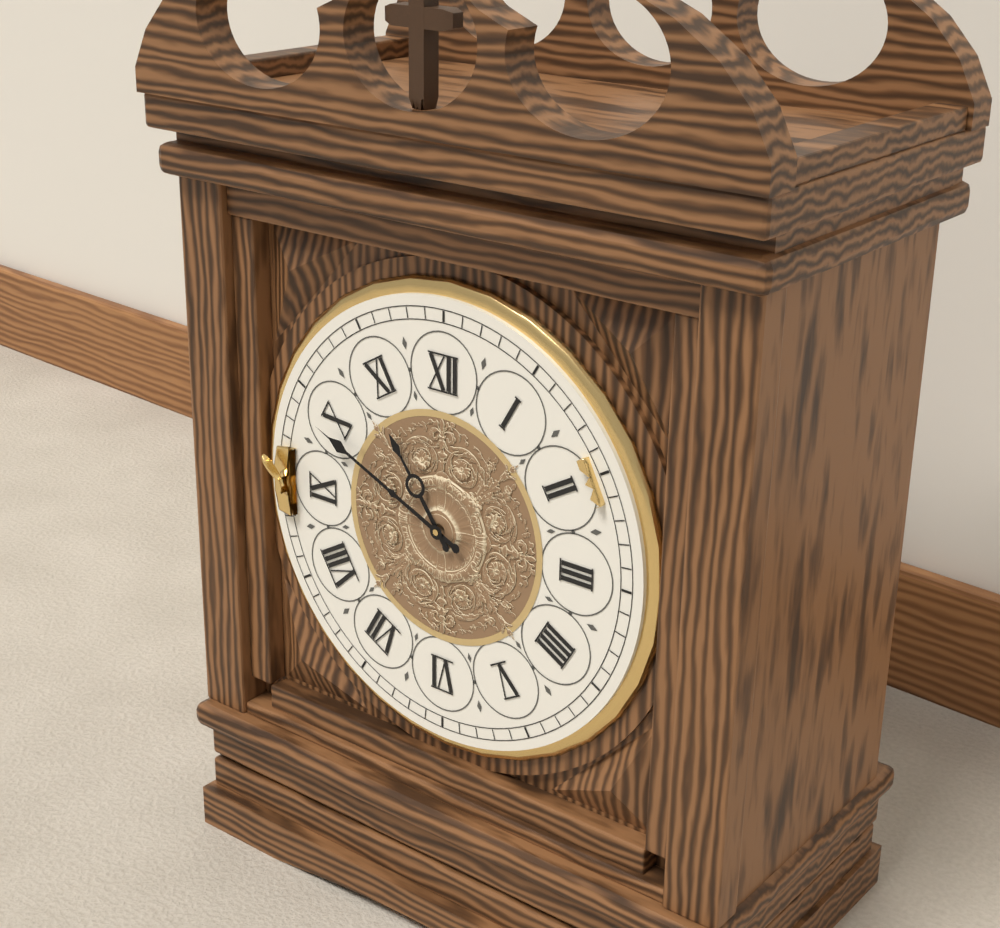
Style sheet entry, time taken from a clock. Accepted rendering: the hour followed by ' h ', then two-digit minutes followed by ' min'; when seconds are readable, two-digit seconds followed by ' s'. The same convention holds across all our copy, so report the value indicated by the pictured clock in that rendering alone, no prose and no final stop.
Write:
10 h 49 min
